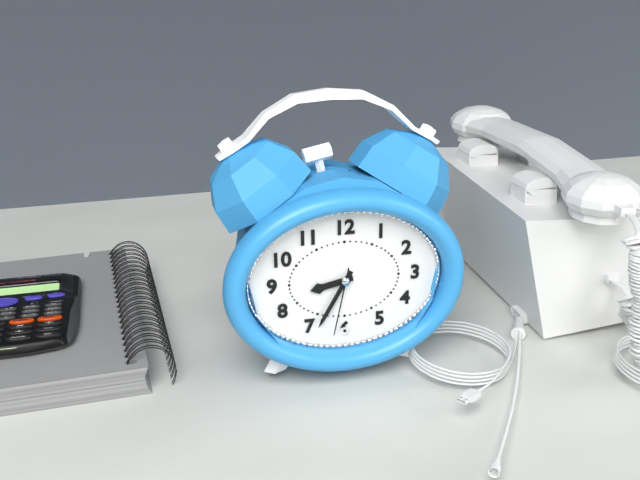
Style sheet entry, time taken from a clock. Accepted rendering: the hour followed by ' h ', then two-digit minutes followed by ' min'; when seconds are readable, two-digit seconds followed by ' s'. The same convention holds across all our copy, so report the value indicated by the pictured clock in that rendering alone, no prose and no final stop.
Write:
8 h 35 min 32 s
